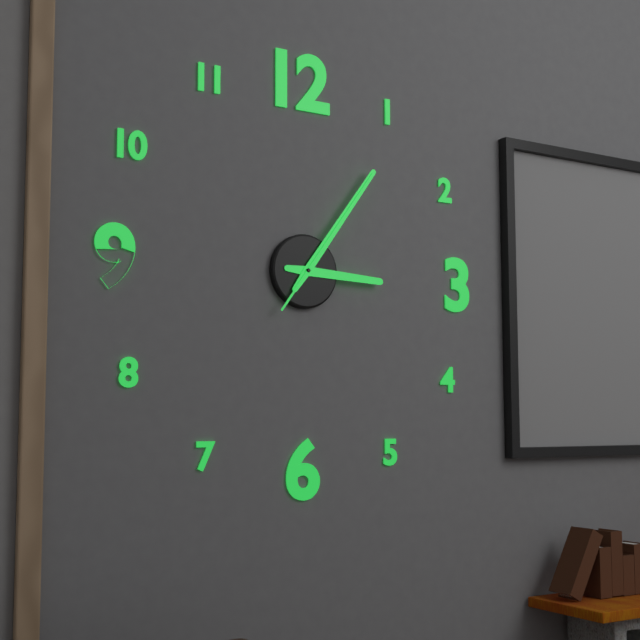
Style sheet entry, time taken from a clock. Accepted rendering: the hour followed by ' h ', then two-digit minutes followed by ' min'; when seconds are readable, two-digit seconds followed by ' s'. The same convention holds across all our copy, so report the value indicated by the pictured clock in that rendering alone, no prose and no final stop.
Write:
3 h 06 min 06 s
